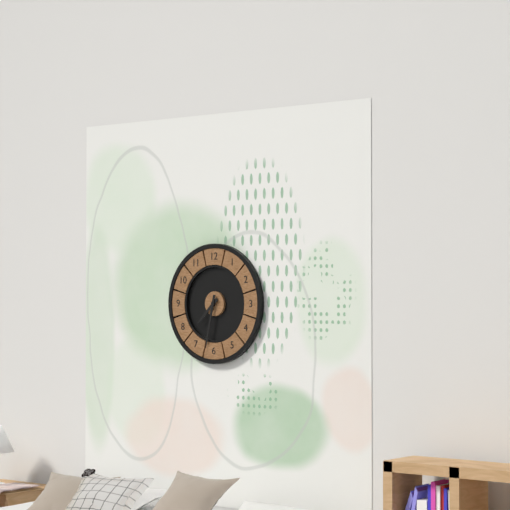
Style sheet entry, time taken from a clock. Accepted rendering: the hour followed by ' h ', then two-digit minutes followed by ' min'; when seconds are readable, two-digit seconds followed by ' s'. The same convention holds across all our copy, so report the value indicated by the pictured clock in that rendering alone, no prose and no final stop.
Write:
7 h 32 min
